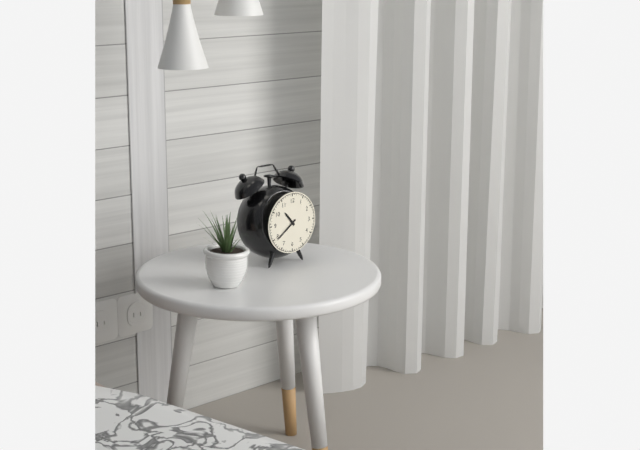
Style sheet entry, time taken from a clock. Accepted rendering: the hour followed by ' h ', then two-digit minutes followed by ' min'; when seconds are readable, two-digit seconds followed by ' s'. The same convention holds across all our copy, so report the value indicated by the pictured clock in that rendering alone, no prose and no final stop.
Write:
10 h 39 min
